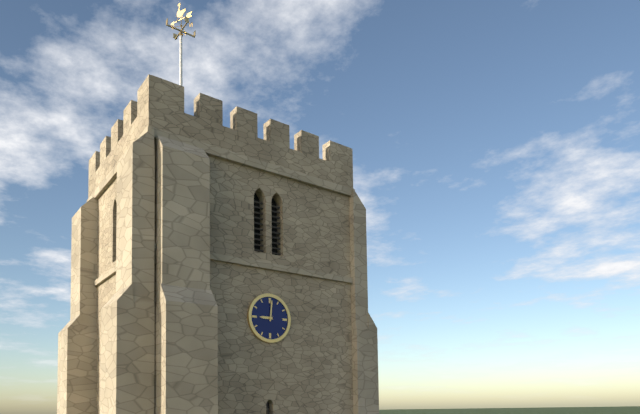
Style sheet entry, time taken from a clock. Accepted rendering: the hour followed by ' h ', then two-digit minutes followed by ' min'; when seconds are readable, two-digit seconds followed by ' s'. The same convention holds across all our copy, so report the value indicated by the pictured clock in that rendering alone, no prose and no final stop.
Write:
9 h 01 min
